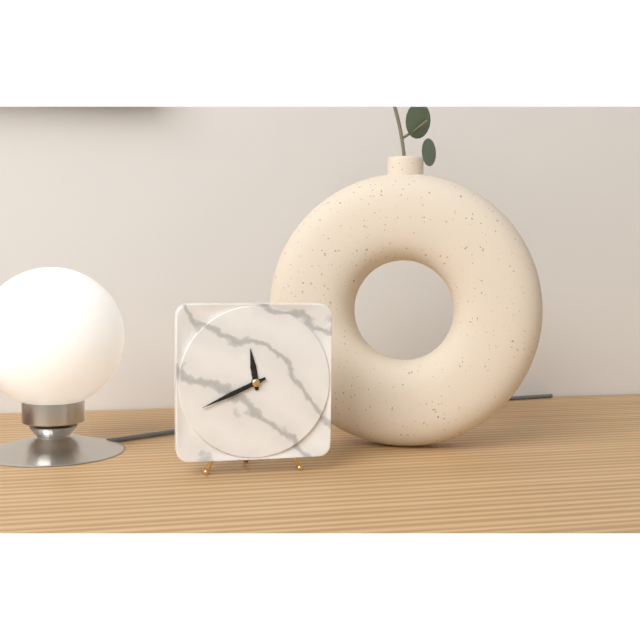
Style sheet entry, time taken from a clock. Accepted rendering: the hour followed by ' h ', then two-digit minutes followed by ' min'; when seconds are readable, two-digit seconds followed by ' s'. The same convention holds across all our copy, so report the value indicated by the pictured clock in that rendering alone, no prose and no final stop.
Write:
11 h 41 min
